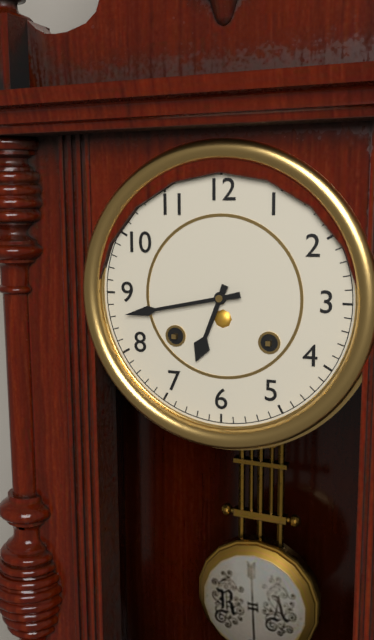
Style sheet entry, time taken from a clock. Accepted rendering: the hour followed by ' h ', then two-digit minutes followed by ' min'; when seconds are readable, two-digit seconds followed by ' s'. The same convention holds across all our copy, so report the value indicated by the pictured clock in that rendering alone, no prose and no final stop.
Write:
6 h 43 min
